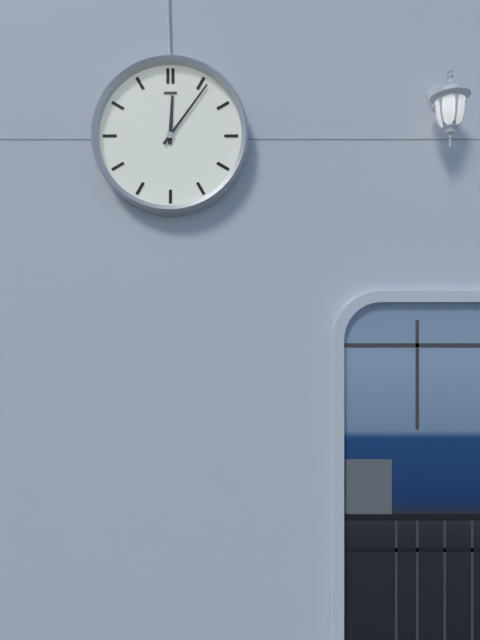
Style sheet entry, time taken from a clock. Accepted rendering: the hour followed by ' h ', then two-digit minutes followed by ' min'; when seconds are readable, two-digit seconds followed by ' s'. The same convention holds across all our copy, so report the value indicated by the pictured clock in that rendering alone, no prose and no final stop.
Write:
12 h 06 min
